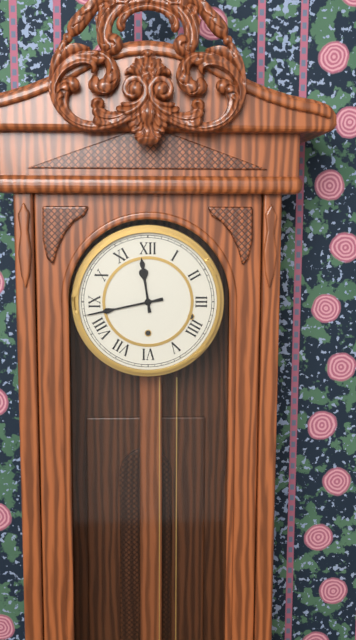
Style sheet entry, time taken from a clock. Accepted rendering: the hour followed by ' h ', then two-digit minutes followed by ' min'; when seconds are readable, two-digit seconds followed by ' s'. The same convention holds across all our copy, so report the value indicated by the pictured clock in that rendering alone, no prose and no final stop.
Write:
11 h 43 min
